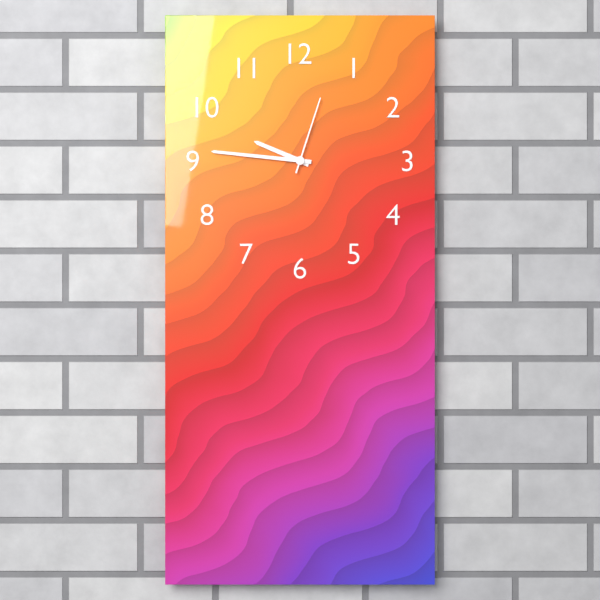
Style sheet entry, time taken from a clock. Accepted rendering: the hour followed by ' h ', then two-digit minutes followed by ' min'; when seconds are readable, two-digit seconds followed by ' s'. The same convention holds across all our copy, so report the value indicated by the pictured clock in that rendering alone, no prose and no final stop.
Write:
9 h 46 min 03 s
